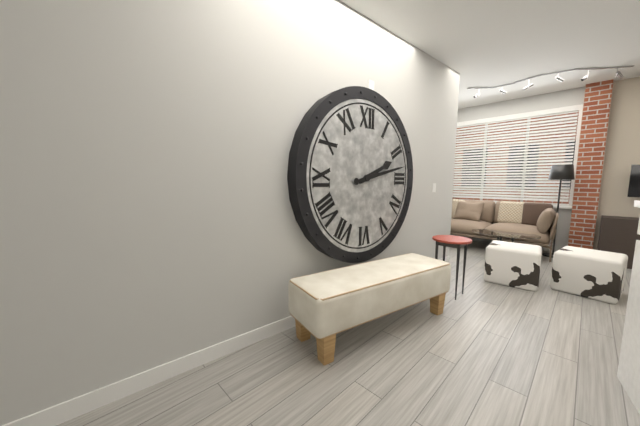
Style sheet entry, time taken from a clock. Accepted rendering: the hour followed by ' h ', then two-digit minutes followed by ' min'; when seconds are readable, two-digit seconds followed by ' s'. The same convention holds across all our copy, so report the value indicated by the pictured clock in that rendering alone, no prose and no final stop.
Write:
2 h 13 min
